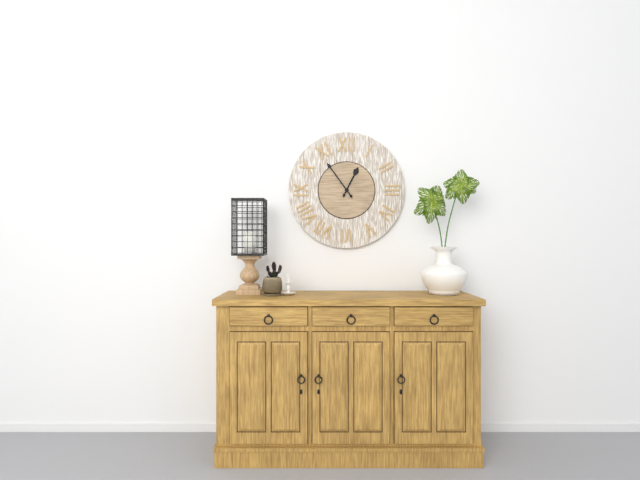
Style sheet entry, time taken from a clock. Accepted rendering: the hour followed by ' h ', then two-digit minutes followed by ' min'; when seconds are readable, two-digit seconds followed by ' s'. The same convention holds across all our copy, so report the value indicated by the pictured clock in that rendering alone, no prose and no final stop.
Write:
12 h 54 min
